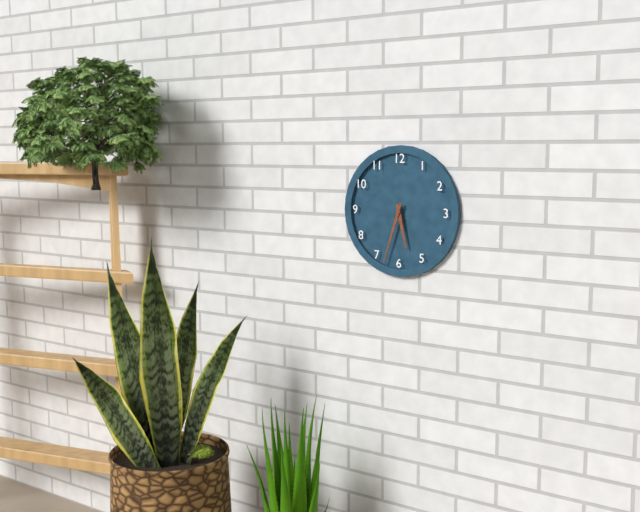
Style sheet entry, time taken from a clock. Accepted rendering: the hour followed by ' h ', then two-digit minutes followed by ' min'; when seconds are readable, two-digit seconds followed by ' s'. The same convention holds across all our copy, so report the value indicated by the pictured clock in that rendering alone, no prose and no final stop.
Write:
5 h 33 min
